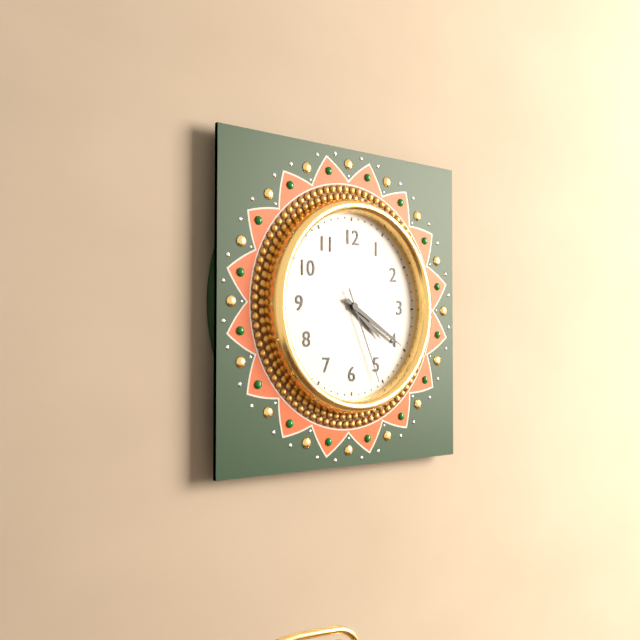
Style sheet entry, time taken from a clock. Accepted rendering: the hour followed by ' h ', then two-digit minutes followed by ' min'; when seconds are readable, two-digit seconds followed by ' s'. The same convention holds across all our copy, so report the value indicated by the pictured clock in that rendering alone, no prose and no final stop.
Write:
4 h 20 min 26 s
